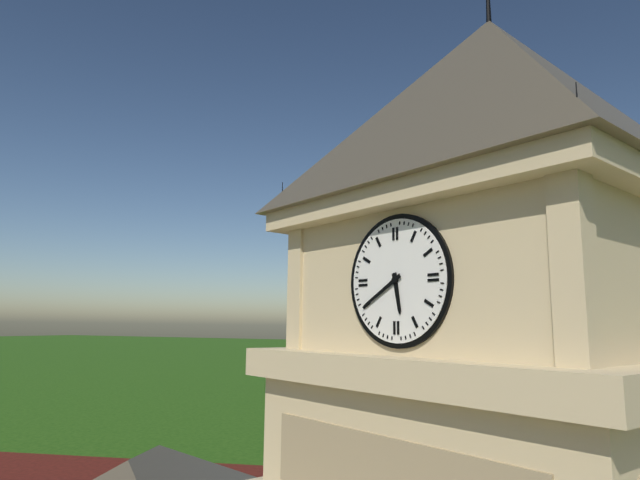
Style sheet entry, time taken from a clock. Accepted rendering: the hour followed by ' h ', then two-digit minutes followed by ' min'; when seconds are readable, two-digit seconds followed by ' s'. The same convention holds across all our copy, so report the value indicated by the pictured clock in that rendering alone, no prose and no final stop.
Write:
5 h 40 min
